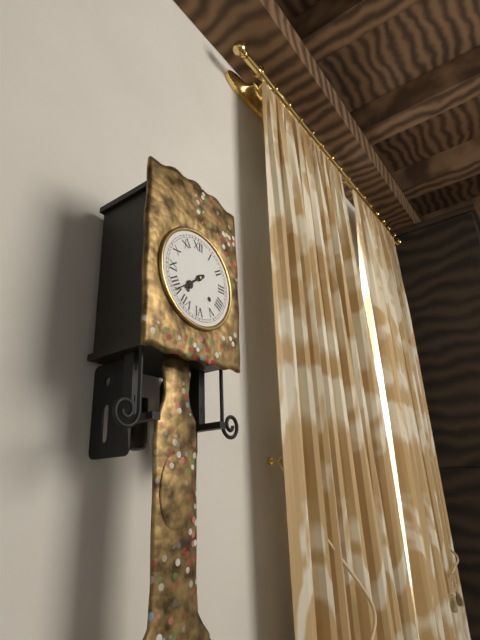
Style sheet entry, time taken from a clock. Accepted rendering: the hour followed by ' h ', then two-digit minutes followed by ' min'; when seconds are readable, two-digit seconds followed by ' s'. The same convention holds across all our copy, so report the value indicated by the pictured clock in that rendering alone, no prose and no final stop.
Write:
7 h 39 min
